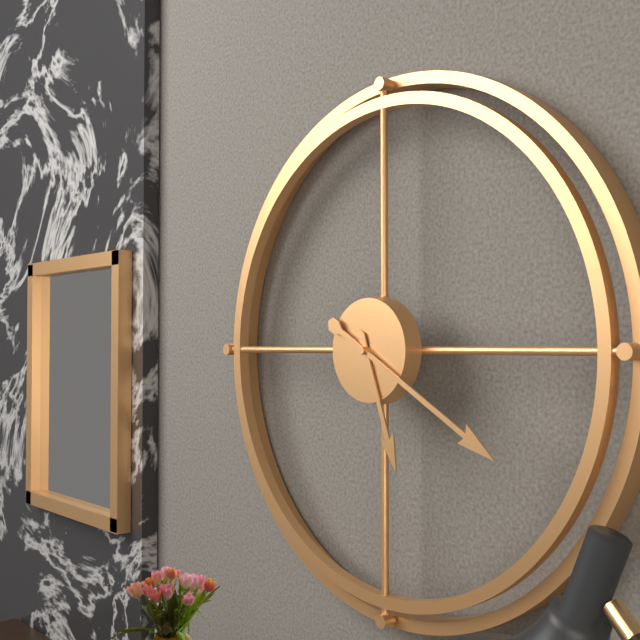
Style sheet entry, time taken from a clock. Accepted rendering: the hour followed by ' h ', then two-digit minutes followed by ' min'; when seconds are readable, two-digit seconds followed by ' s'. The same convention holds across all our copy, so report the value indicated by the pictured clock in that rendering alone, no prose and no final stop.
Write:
5 h 20 min
